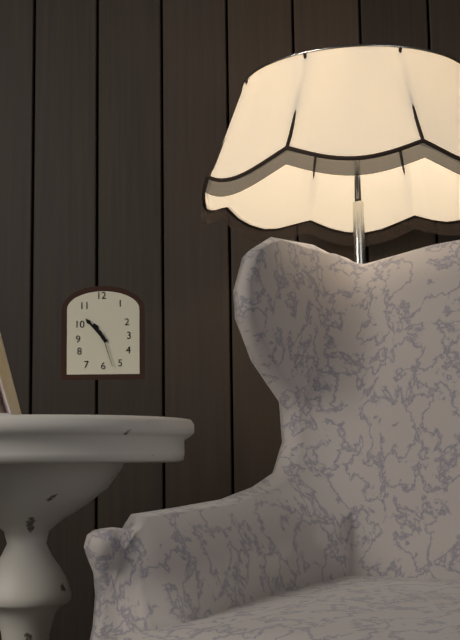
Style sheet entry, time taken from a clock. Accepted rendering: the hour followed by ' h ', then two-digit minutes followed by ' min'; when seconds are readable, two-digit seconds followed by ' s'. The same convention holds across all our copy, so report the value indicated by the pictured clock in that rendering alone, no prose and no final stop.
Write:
10 h 53 min
